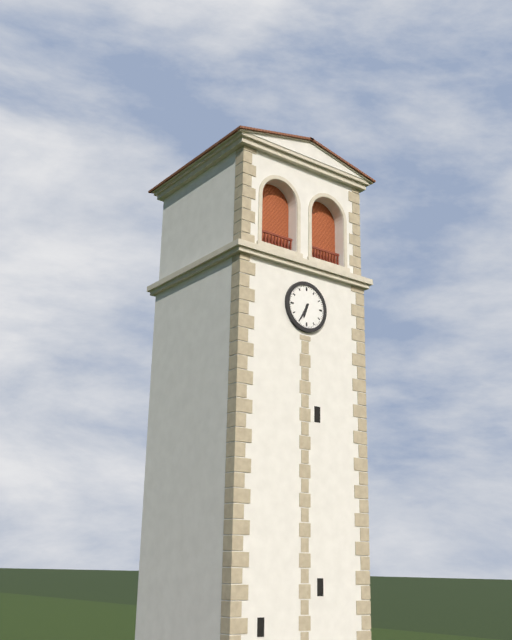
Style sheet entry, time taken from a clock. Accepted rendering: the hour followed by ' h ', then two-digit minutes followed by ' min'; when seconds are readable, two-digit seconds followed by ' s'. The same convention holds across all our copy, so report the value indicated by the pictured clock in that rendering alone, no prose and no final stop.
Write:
6 h 35 min
